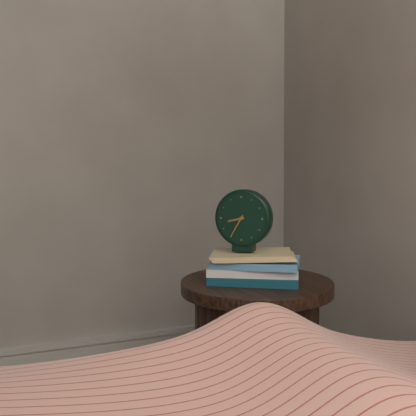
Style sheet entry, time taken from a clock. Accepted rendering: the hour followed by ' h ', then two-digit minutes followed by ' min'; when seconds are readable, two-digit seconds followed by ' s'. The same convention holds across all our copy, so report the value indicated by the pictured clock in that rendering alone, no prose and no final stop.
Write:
8 h 35 min
